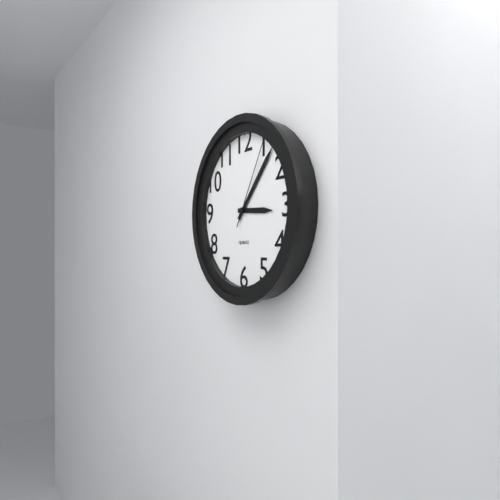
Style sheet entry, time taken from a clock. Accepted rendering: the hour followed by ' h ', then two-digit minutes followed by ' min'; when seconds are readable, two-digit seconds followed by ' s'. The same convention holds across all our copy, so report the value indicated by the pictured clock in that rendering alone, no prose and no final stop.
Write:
3 h 07 min 05 s
